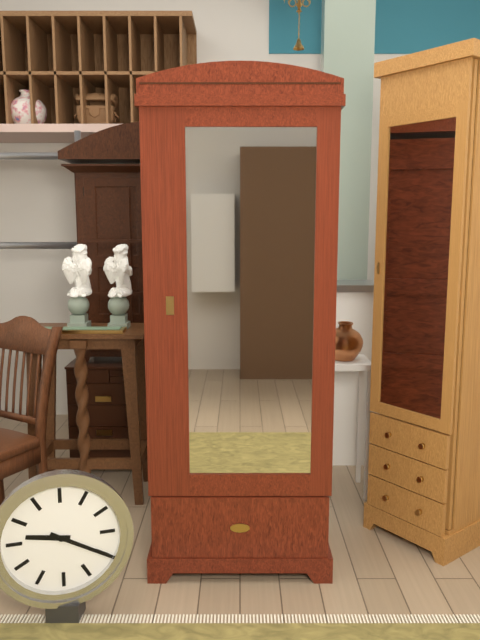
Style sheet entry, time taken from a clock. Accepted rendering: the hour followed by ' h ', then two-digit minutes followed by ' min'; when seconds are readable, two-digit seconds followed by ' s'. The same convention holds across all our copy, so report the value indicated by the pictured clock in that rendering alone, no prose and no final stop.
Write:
9 h 20 min
